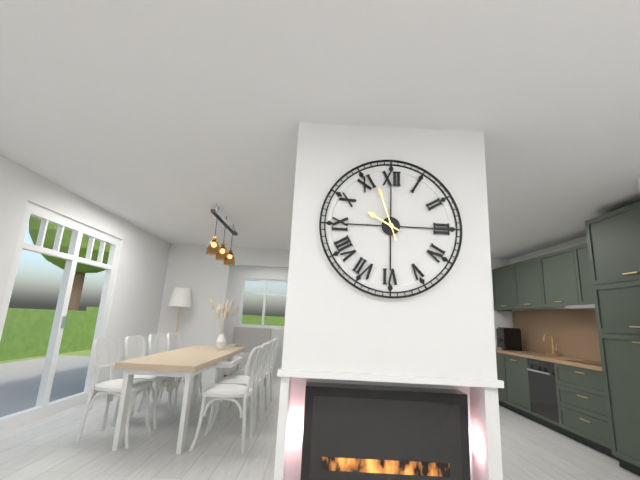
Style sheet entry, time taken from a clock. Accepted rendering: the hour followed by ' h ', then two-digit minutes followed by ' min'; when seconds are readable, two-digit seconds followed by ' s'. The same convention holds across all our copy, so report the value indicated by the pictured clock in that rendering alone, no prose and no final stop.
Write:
9 h 57 min
